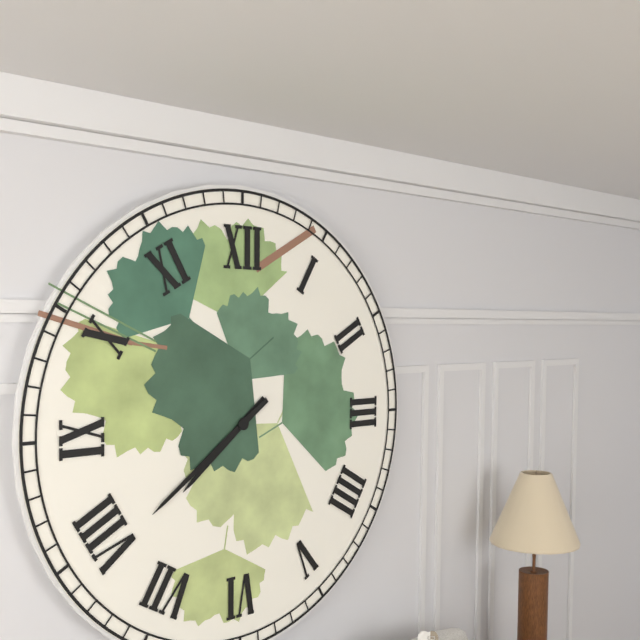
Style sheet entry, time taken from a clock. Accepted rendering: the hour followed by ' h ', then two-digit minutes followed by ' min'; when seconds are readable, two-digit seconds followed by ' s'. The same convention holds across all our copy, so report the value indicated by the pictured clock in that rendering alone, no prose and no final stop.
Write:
7 h 39 min
